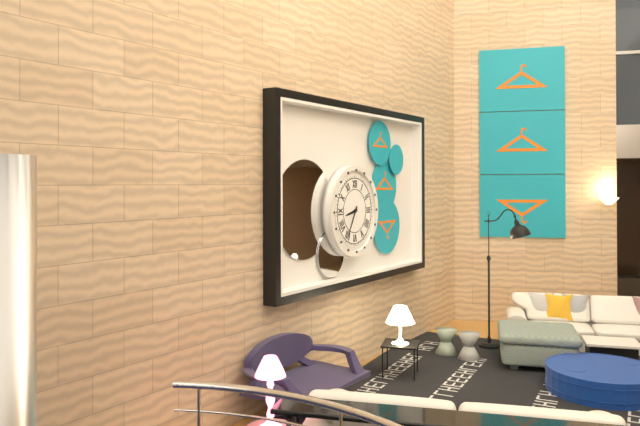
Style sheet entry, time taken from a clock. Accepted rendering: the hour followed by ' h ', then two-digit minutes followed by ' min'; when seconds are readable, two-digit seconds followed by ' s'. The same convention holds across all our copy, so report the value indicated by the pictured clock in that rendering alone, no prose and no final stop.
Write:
8 h 35 min
